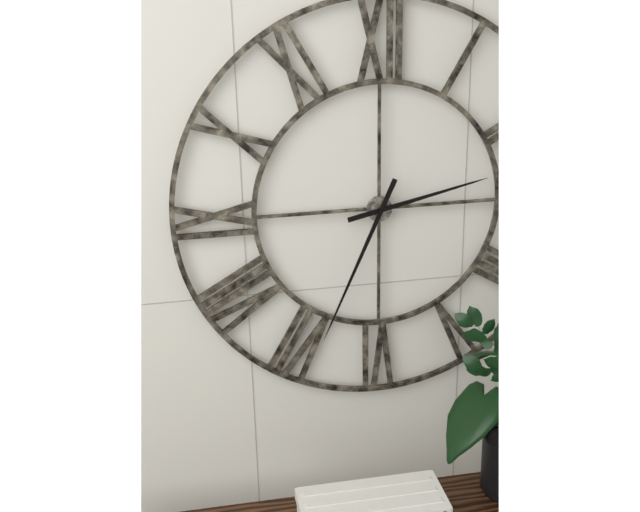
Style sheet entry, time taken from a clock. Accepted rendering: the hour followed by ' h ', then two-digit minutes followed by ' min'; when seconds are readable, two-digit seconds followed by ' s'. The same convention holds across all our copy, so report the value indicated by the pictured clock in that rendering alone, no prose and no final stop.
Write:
2 h 34 min
